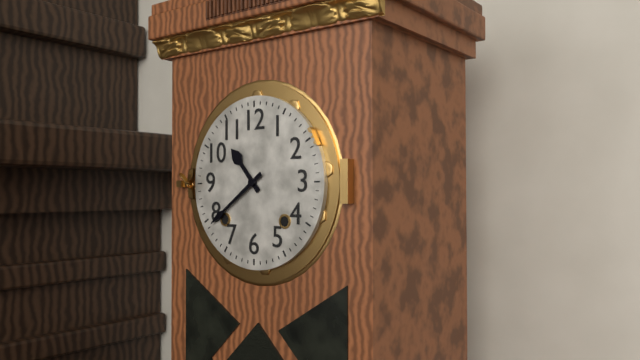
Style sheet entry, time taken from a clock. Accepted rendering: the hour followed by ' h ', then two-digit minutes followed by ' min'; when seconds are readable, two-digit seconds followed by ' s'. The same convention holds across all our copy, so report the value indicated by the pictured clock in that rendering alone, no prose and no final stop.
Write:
10 h 39 min
